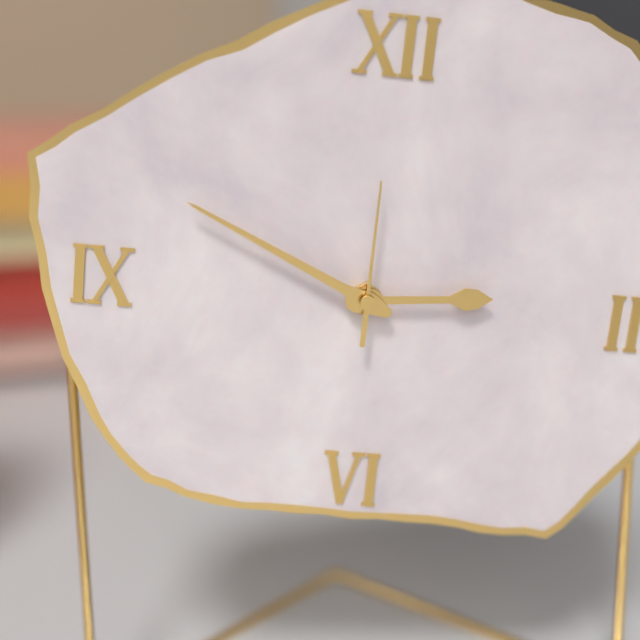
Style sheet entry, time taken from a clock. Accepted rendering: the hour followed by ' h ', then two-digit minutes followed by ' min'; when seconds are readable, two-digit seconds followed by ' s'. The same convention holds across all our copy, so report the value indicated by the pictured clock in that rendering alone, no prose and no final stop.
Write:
2 h 49 min 00 s
